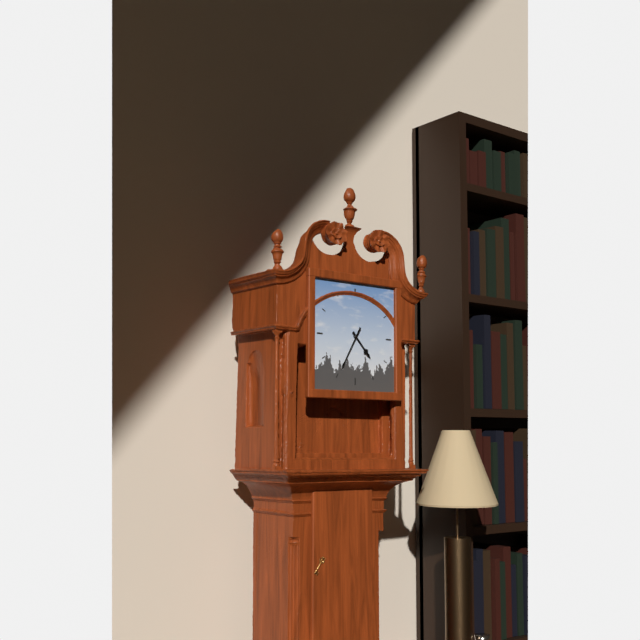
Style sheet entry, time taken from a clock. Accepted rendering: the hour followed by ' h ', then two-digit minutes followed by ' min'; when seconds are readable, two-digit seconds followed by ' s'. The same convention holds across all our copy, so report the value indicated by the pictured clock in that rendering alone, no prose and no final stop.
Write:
4 h 35 min
